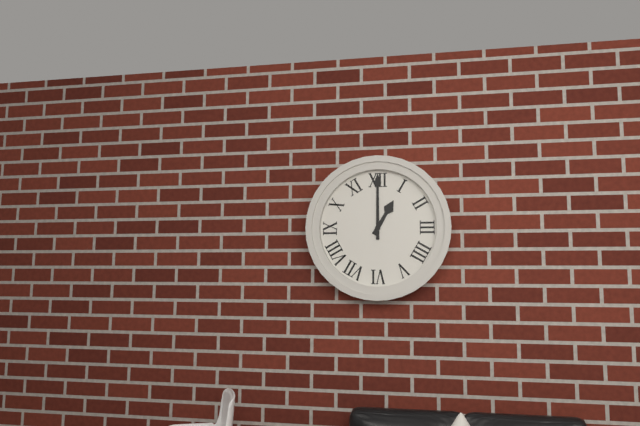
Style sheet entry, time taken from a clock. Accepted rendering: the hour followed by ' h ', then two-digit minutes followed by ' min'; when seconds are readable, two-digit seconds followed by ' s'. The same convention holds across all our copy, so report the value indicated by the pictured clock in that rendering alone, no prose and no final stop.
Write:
1 h 00 min
